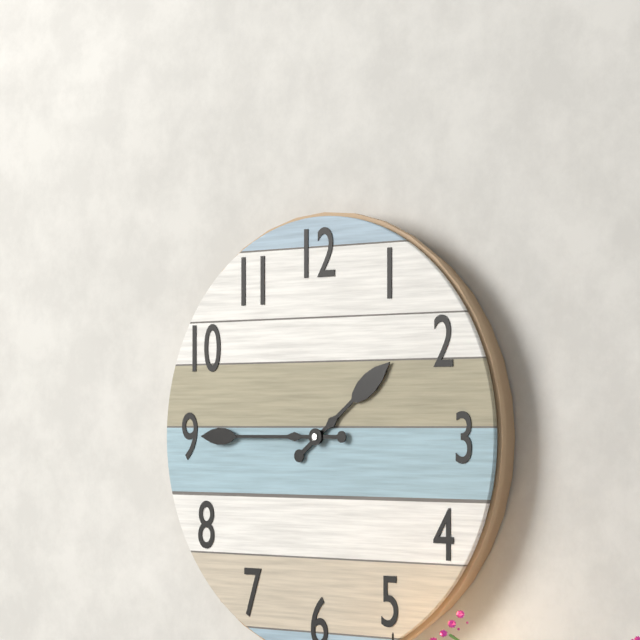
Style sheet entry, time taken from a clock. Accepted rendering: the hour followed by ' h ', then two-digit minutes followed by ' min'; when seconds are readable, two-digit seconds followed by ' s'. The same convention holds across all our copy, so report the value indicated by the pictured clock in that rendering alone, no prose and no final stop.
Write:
1 h 45 min
